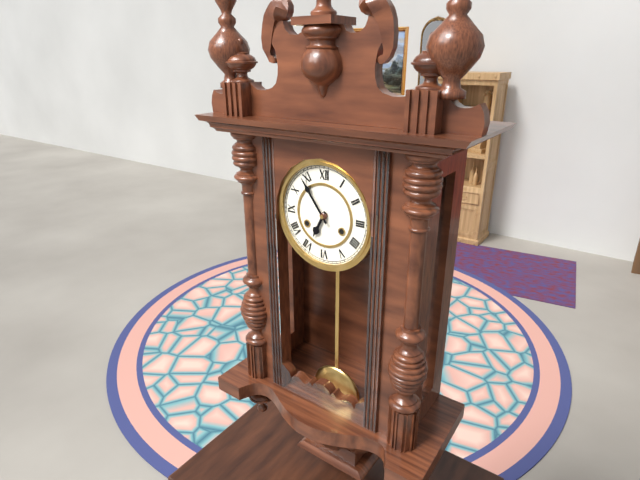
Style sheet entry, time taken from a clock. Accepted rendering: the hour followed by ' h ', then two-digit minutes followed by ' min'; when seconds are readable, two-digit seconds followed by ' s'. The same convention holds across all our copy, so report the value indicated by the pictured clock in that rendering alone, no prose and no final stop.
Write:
6 h 54 min
